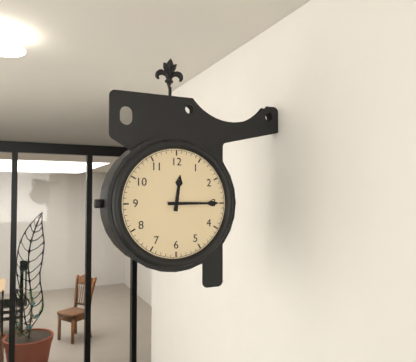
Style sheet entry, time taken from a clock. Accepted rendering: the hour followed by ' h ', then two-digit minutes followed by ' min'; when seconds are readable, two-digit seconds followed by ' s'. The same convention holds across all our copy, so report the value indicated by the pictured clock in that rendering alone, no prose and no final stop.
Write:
12 h 15 min
